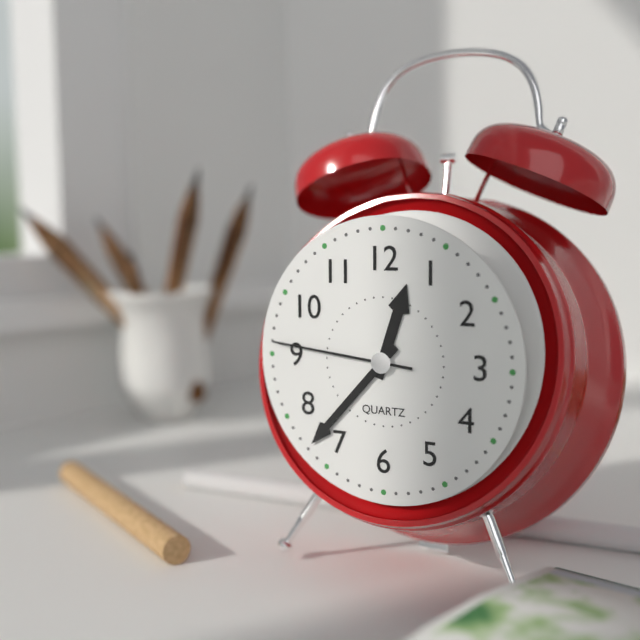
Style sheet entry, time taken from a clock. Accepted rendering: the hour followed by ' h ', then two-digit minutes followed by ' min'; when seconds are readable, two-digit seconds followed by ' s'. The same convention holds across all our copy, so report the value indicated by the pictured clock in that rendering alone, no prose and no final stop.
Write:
12 h 37 min 46 s
